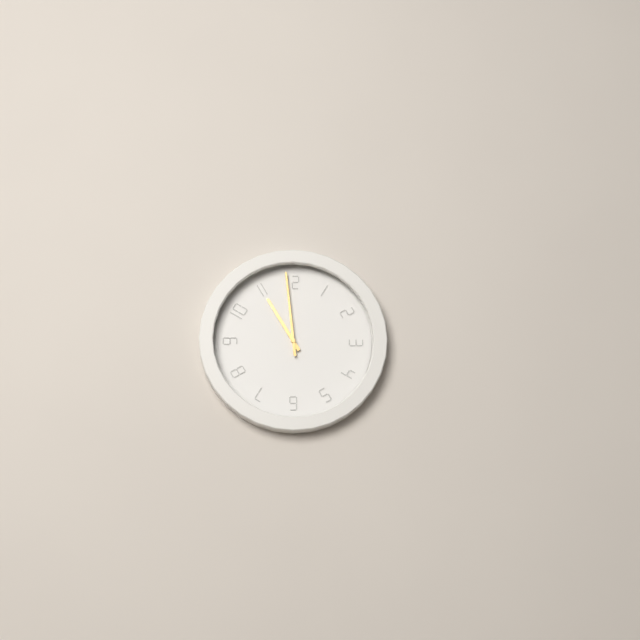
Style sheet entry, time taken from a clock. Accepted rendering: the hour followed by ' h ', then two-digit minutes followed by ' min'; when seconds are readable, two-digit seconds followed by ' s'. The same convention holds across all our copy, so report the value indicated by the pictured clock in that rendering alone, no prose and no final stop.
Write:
10 h 59 min
